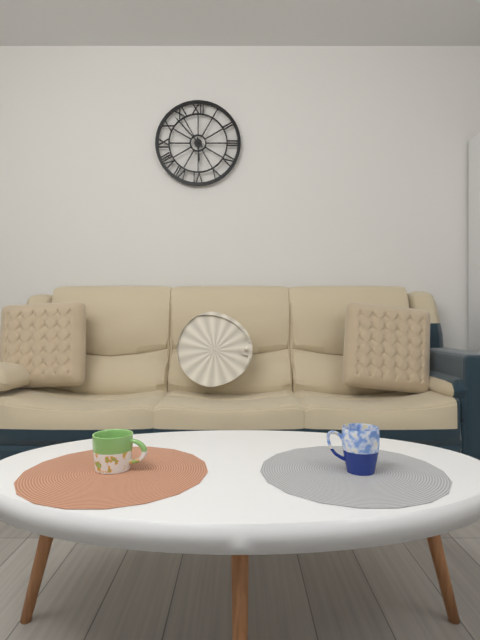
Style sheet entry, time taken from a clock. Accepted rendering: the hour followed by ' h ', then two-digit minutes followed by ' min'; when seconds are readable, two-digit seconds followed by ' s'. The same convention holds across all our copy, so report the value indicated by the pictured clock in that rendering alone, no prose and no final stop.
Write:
5 h 53 min
